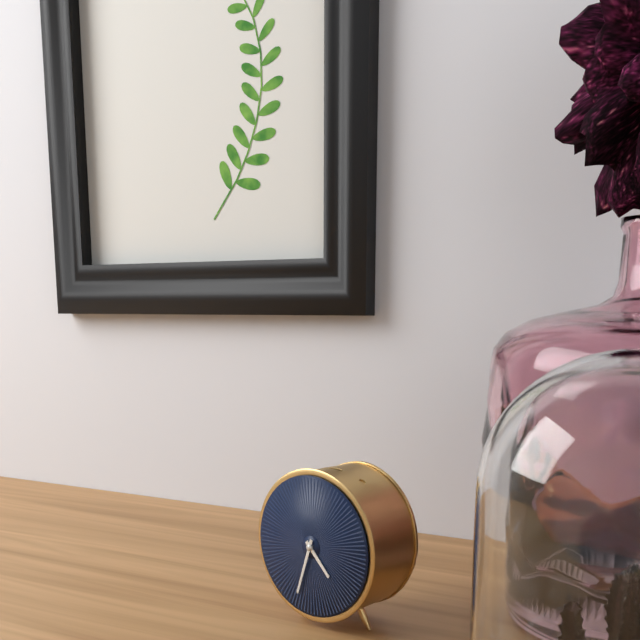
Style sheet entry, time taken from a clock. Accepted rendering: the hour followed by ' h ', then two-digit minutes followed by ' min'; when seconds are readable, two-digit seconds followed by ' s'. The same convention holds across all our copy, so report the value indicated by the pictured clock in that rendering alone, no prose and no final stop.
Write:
4 h 33 min
